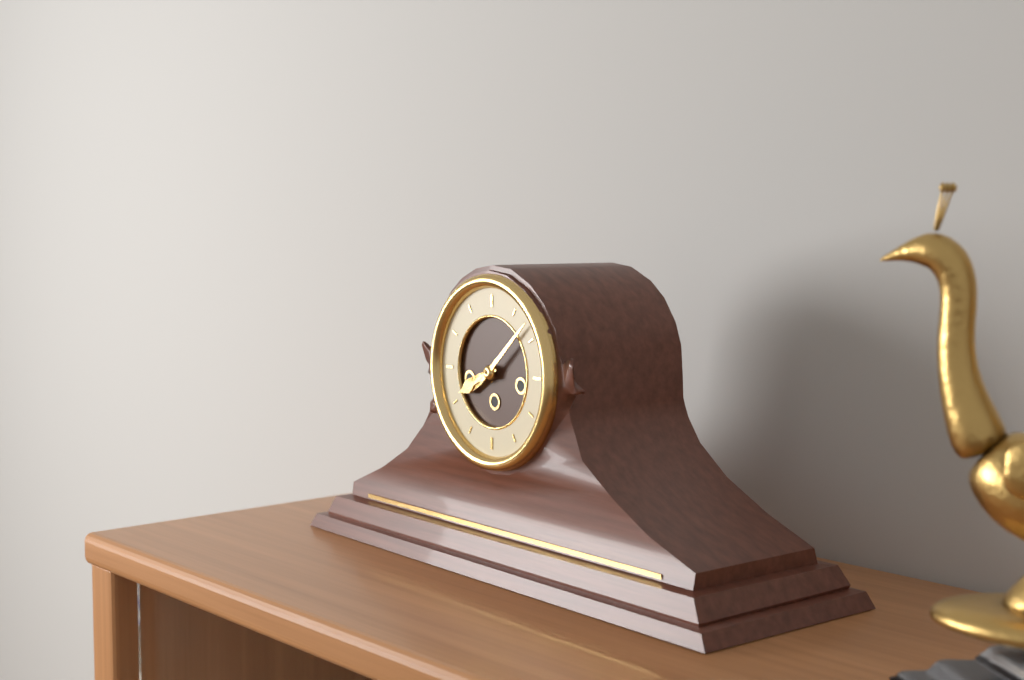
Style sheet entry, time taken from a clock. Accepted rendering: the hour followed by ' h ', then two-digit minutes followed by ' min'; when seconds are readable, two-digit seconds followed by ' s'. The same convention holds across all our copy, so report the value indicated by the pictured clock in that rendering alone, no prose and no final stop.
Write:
8 h 08 min
